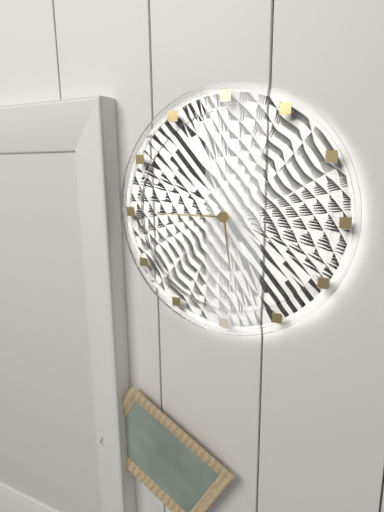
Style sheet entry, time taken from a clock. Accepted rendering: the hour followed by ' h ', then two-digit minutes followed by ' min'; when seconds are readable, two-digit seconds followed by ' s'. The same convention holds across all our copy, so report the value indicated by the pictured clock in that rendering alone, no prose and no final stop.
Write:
5 h 45 min
